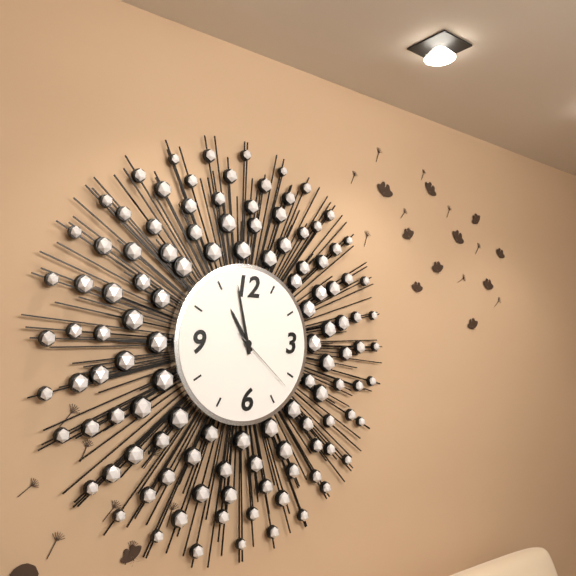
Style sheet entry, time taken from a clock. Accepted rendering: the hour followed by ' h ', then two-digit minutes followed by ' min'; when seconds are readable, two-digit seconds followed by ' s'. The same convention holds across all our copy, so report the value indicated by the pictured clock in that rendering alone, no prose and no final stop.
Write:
10 h 58 min 22 s
